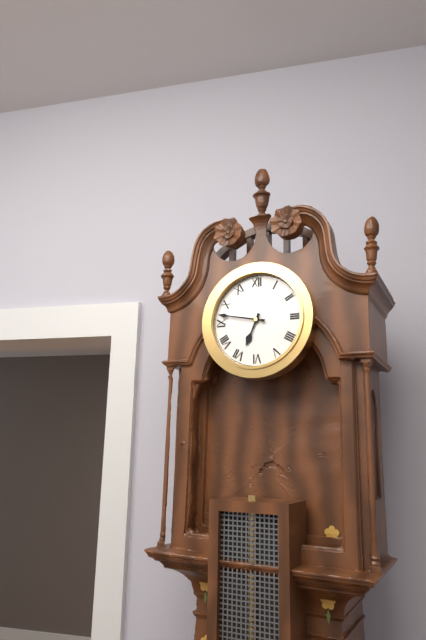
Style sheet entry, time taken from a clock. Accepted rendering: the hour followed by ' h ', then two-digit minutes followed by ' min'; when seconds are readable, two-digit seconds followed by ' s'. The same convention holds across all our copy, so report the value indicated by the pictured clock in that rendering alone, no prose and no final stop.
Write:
6 h 47 min
